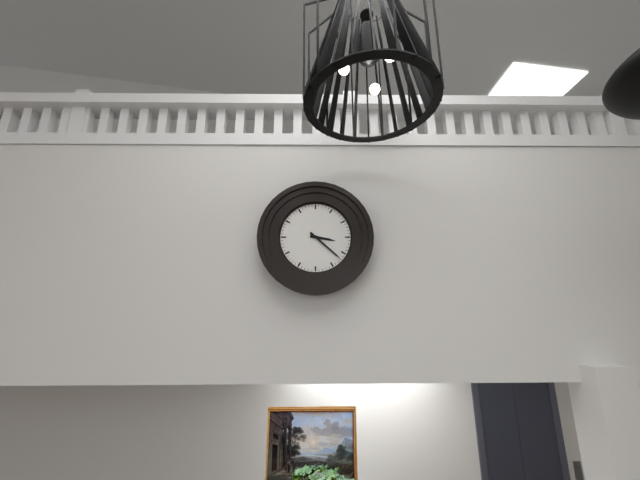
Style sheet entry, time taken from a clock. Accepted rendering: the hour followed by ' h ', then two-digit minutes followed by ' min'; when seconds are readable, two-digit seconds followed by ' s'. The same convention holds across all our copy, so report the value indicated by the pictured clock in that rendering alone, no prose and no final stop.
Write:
3 h 22 min
